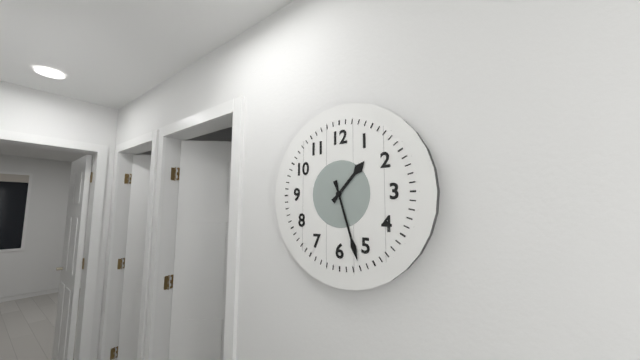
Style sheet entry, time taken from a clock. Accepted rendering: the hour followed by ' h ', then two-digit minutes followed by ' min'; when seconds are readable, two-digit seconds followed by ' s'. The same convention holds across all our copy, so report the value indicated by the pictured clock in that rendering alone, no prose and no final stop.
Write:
1 h 27 min
